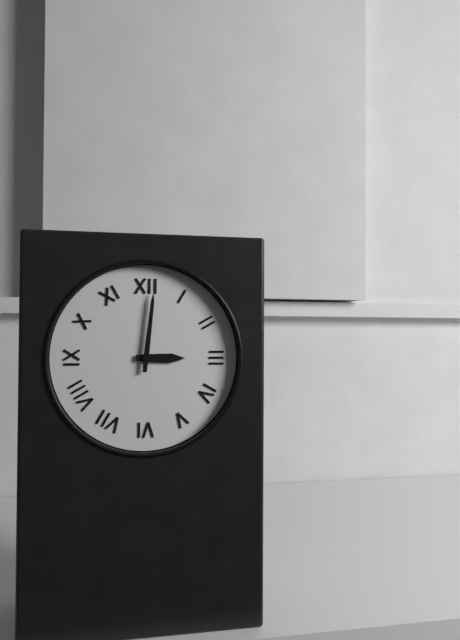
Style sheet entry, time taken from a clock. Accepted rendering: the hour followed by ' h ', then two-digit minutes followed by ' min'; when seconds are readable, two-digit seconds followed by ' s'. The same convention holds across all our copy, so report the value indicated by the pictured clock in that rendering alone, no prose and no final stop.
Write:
3 h 01 min
